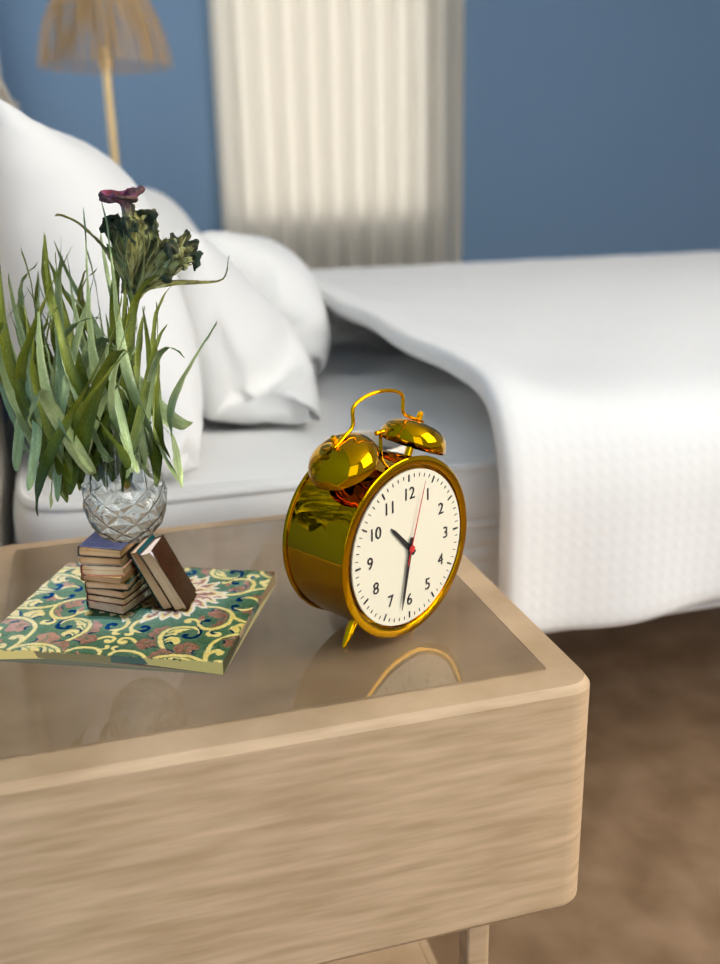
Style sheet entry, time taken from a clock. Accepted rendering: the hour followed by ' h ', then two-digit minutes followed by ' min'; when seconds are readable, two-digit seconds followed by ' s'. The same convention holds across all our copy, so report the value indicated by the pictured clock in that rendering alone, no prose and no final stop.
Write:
10 h 32 min 03 s
